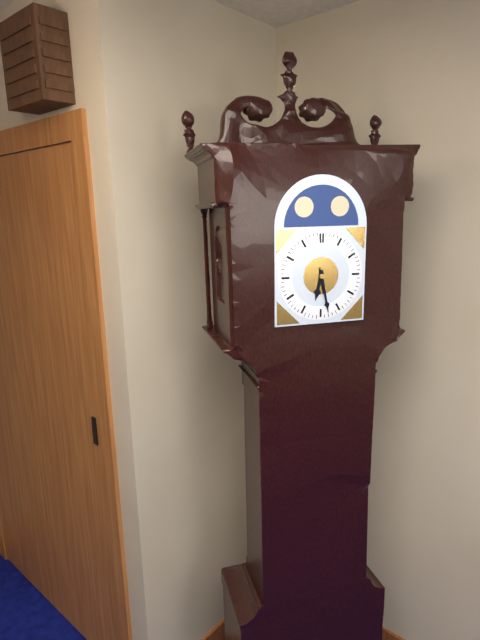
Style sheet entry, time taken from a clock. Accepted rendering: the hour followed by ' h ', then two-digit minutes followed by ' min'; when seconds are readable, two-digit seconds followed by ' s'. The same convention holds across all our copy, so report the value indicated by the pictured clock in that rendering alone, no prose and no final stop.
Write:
6 h 28 min
